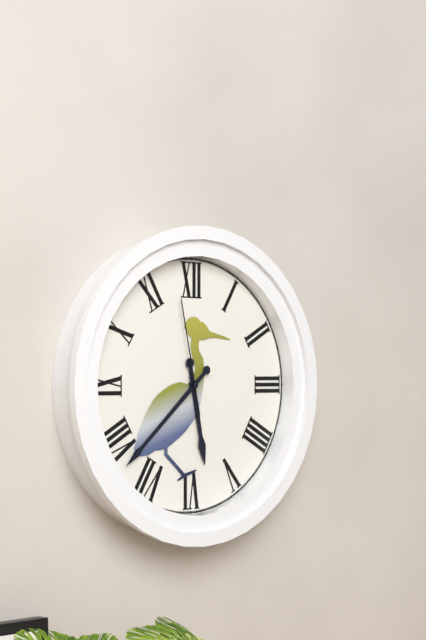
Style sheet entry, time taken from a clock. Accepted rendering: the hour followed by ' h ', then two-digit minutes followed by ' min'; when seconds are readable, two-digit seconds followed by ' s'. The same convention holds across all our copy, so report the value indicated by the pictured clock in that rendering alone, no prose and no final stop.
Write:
5 h 38 min 58 s
